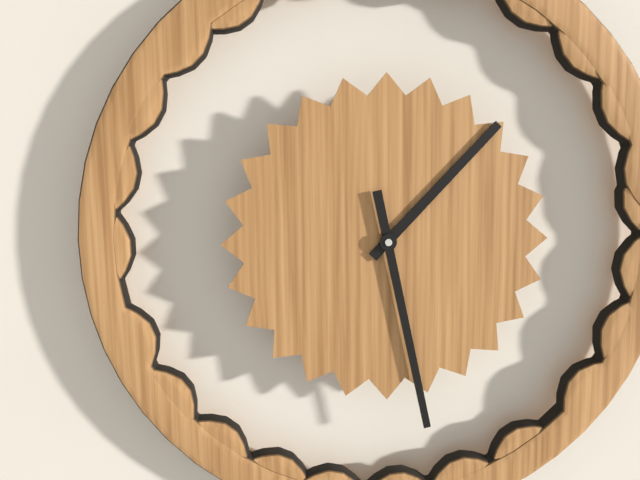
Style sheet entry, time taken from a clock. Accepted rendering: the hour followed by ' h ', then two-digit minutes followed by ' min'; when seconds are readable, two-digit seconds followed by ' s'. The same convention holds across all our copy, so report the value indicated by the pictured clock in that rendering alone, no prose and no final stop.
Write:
1 h 28 min
